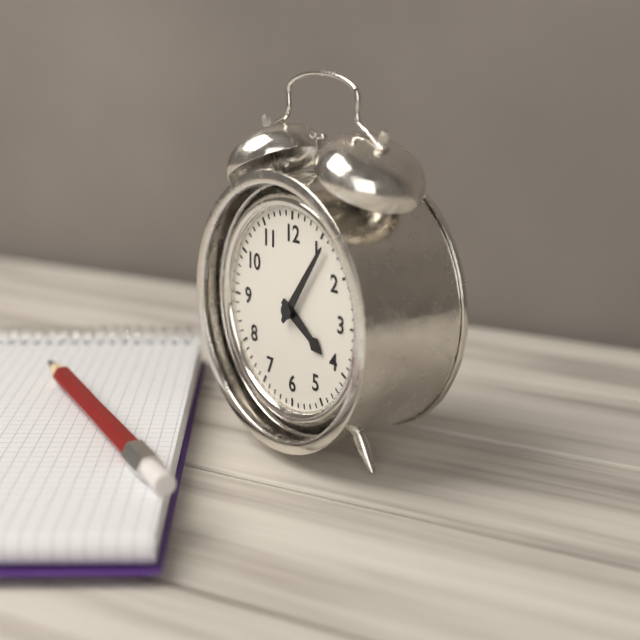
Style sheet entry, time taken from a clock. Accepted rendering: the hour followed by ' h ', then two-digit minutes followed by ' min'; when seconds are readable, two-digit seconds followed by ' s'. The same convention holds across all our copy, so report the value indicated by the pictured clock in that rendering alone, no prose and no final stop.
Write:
4 h 06 min
